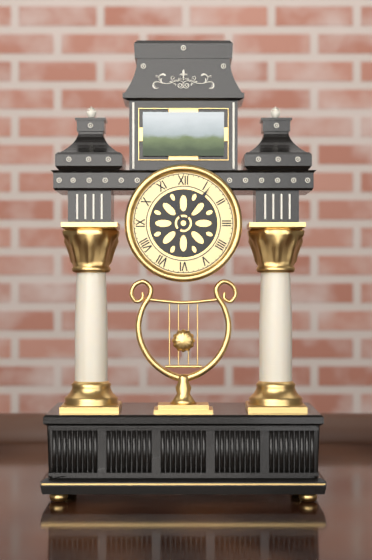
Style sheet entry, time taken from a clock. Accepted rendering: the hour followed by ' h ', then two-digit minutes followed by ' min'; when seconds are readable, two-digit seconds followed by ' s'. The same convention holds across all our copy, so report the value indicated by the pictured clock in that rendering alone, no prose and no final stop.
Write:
11 h 06 min
